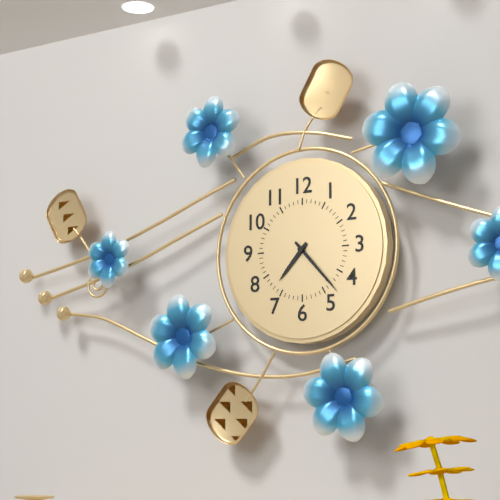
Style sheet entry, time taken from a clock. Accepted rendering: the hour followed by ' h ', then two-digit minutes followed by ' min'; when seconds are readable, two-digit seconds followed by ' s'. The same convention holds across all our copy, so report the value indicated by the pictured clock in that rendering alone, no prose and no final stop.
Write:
7 h 23 min
